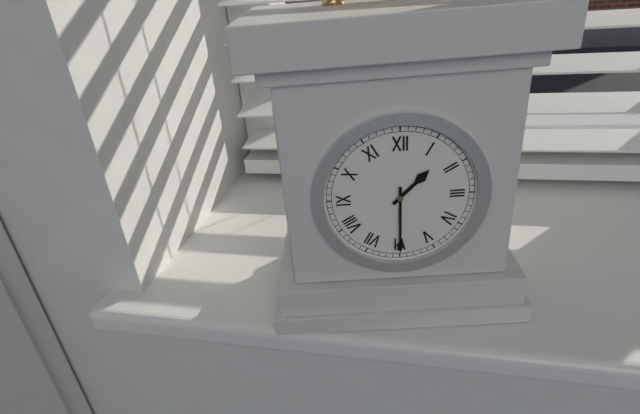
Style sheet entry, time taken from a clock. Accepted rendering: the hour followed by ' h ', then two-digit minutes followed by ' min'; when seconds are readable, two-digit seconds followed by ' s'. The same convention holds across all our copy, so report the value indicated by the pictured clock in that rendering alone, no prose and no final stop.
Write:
1 h 30 min
